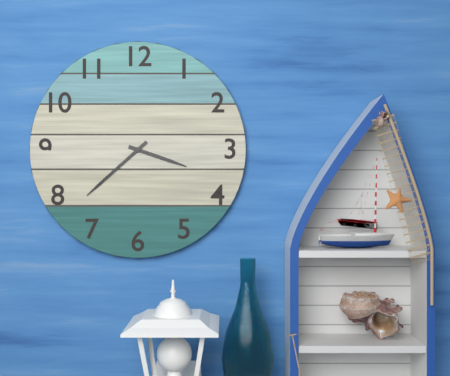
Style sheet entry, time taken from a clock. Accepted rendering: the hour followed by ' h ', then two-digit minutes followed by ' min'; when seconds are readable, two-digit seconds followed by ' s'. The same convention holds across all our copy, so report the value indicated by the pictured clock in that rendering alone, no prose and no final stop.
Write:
3 h 38 min
